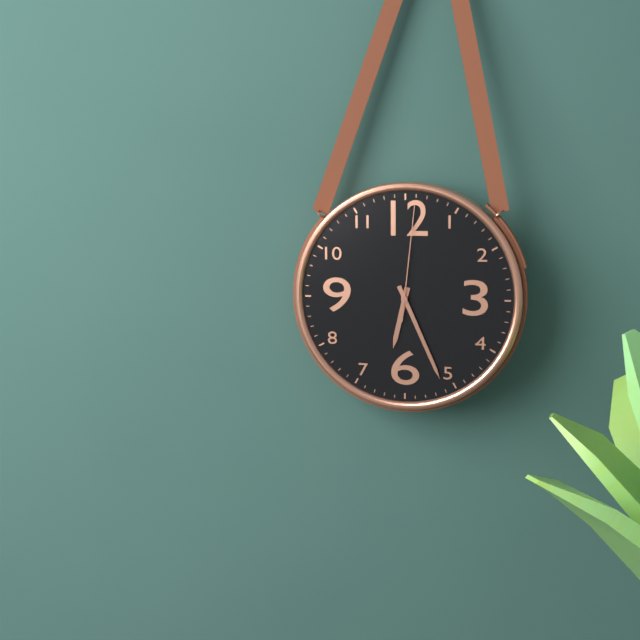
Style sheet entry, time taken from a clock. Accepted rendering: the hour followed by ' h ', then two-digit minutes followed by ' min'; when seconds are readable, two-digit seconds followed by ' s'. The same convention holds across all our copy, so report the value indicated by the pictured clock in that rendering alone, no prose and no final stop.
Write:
6 h 26 min 01 s
